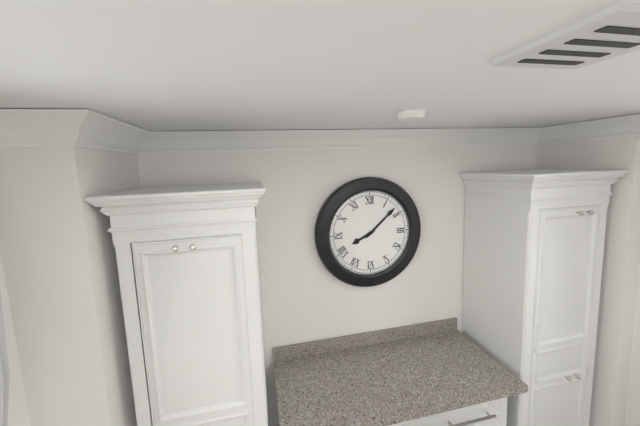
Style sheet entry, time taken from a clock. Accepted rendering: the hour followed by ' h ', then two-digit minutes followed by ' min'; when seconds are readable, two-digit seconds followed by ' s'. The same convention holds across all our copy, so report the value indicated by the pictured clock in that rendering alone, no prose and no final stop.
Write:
8 h 08 min
